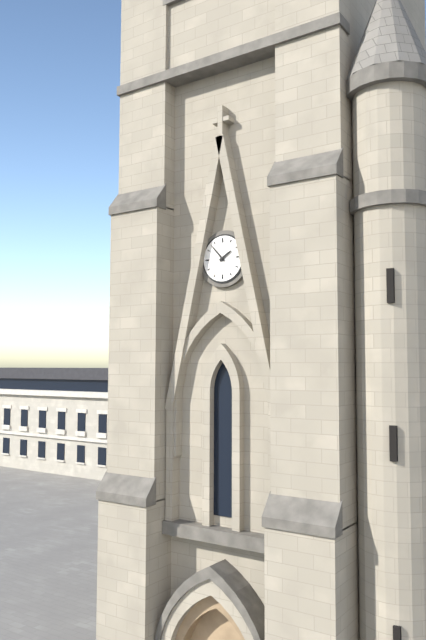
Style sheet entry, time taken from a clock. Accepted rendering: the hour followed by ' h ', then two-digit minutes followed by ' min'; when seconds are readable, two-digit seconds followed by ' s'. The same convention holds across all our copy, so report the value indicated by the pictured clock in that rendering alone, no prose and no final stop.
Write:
1 h 53 min
